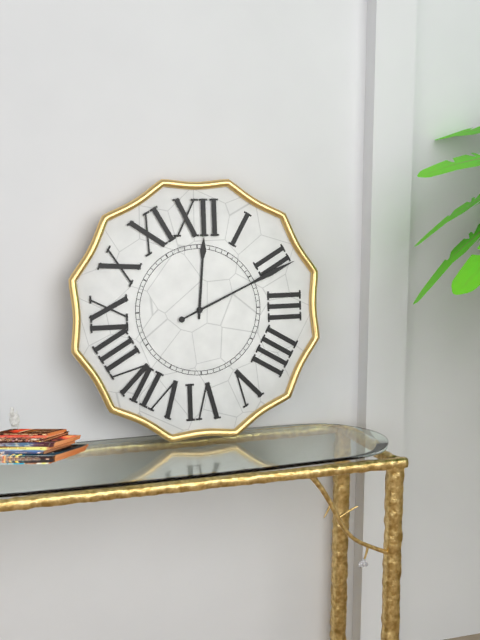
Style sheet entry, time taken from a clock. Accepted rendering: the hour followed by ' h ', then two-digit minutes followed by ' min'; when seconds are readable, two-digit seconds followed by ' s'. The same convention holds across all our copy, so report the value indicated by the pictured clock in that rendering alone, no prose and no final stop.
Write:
12 h 11 min
